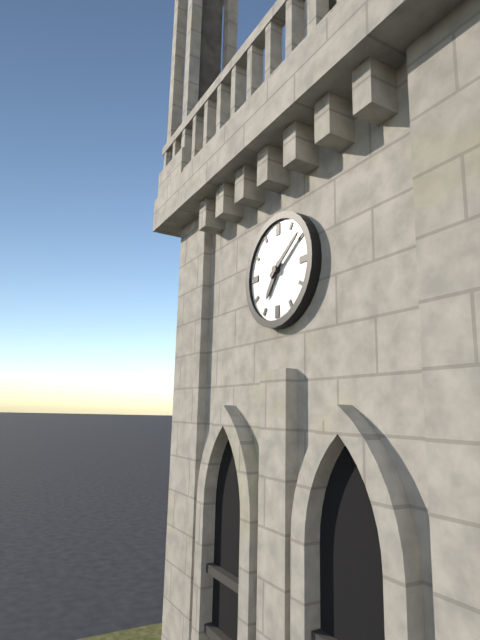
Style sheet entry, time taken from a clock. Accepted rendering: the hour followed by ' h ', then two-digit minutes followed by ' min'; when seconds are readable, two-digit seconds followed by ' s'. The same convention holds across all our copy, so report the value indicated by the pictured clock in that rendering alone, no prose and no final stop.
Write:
7 h 09 min
